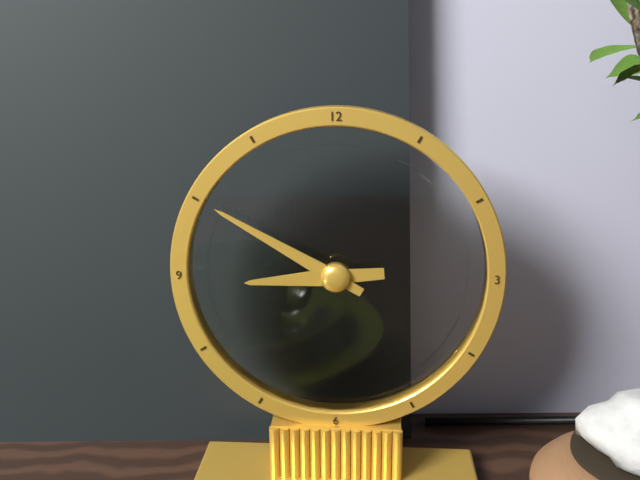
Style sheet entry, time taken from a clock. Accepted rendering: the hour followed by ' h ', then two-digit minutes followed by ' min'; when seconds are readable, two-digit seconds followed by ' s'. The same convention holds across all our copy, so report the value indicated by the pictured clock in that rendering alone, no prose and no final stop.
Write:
8 h 50 min
